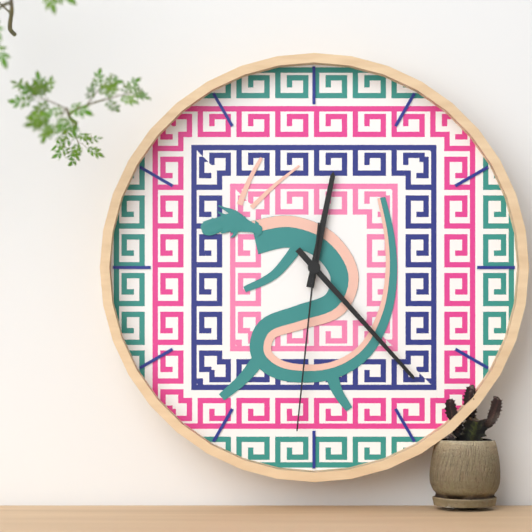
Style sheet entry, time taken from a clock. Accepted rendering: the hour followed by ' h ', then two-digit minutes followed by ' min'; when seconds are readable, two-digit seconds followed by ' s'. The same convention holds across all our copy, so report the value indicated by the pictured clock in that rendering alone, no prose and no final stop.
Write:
12 h 23 min 31 s
